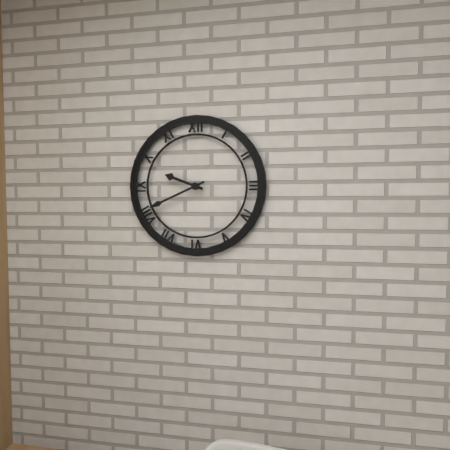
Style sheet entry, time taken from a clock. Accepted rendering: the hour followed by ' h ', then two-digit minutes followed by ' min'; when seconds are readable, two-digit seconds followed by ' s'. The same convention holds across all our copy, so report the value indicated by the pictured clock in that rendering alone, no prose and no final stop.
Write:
9 h 41 min
